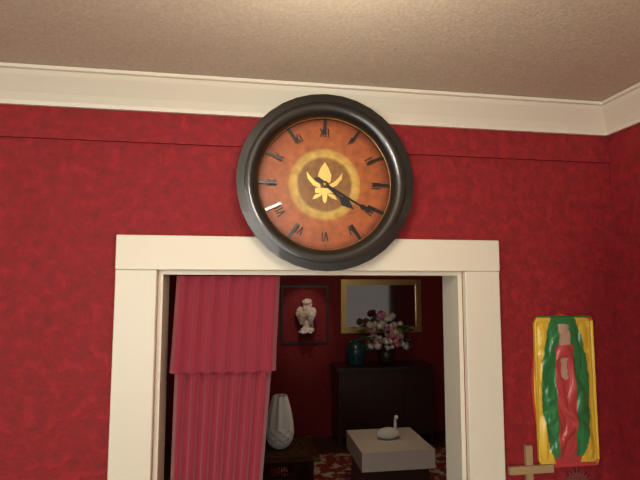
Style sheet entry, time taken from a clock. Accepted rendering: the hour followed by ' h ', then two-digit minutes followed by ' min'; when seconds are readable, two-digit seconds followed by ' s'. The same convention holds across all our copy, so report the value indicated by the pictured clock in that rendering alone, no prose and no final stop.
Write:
4 h 20 min
